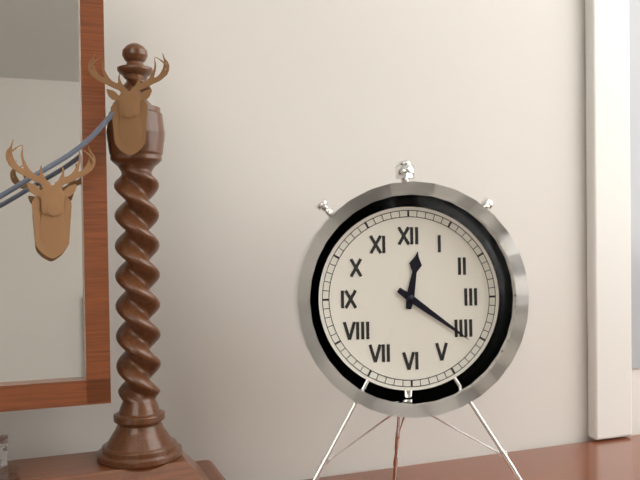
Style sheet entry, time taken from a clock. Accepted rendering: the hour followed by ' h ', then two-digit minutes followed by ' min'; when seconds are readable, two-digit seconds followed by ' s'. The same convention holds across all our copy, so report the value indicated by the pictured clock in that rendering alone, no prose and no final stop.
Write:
12 h 21 min
